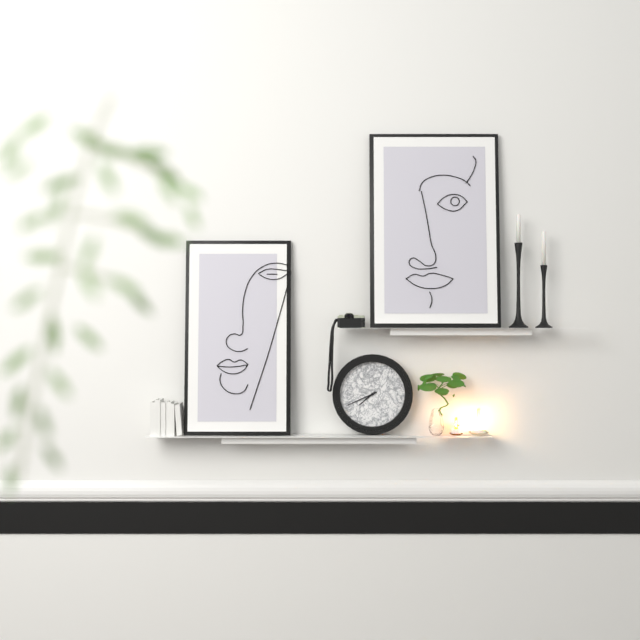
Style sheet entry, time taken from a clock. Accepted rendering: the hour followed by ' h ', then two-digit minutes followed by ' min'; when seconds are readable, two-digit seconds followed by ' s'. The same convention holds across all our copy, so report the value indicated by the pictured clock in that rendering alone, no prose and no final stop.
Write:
7 h 41 min
